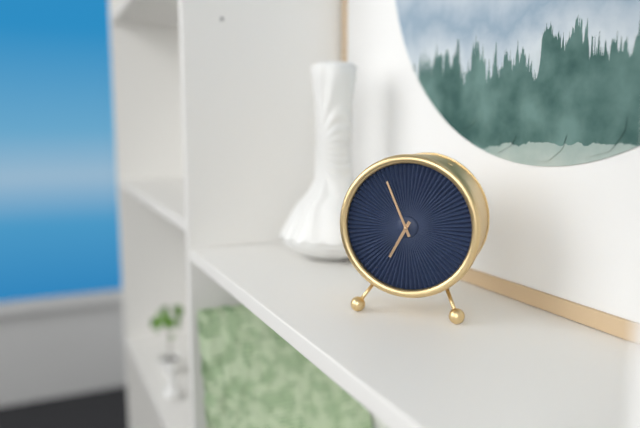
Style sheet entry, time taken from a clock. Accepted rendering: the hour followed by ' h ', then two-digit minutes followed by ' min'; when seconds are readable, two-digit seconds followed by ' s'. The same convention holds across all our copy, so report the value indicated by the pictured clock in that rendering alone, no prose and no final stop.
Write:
6 h 56 min
